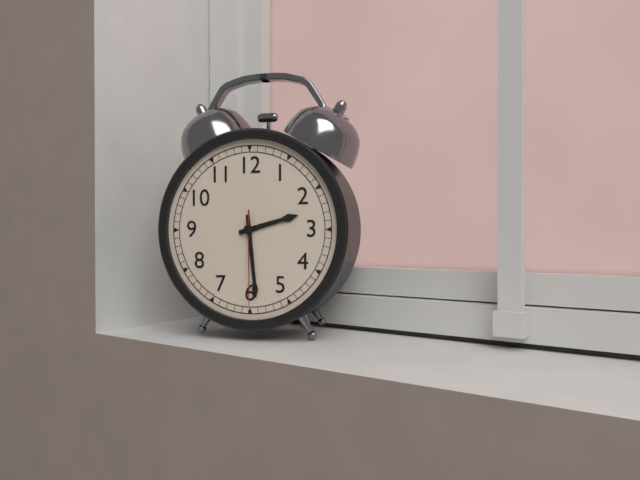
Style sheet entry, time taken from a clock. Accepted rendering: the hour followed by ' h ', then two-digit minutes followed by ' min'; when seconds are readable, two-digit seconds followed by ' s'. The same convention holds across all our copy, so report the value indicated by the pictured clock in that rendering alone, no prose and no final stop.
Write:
2 h 29 min 30 s
